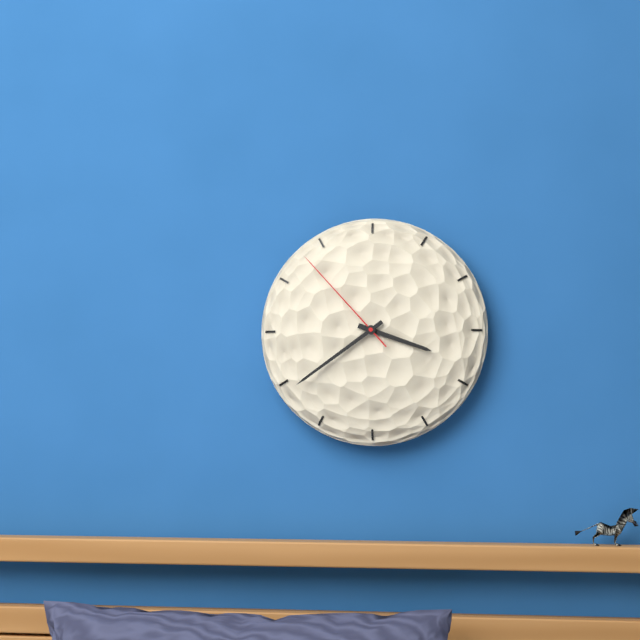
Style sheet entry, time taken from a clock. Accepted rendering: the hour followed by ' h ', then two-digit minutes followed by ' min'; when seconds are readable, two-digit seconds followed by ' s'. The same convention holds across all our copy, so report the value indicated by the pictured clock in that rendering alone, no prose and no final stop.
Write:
3 h 39 min 53 s
